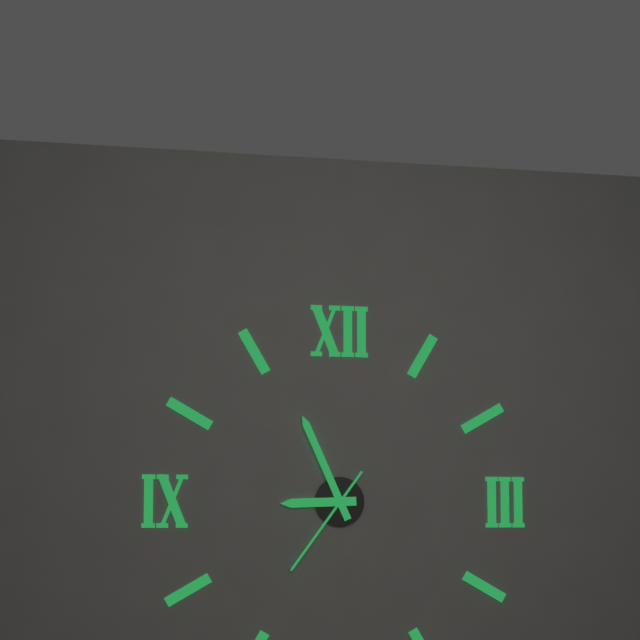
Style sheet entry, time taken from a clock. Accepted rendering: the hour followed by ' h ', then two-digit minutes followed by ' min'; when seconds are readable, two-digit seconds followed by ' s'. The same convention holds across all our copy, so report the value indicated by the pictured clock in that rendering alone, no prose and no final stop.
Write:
8 h 56 min 36 s
